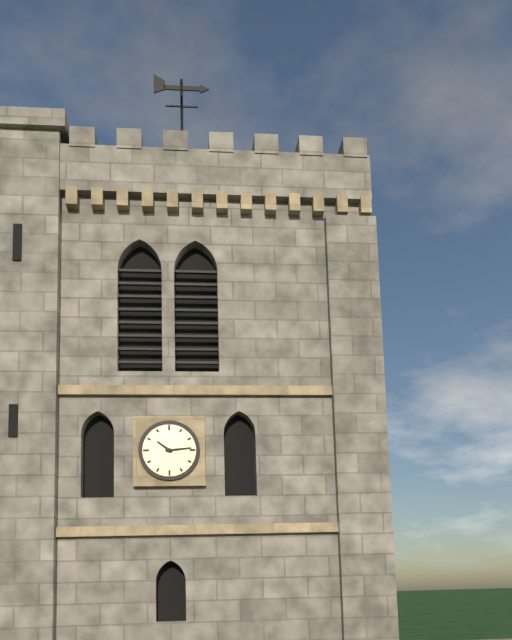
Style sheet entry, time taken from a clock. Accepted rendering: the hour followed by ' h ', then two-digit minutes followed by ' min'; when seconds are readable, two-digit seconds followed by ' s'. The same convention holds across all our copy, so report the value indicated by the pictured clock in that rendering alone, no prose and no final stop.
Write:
10 h 14 min
